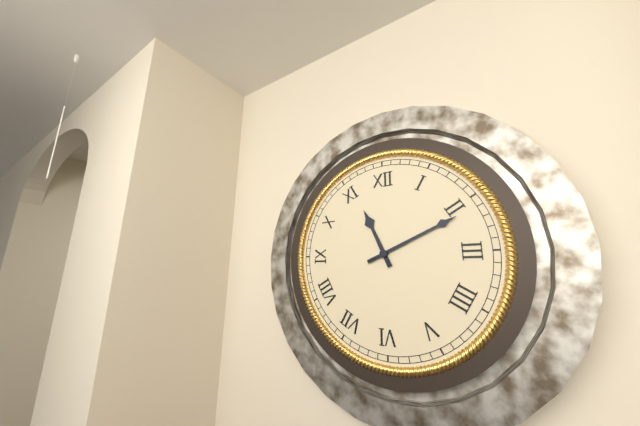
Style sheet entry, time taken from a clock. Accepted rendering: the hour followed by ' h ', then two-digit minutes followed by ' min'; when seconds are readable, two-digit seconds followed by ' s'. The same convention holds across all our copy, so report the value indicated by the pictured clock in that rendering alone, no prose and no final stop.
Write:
11 h 11 min
